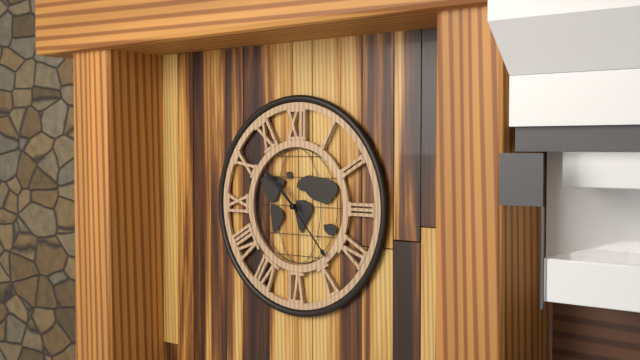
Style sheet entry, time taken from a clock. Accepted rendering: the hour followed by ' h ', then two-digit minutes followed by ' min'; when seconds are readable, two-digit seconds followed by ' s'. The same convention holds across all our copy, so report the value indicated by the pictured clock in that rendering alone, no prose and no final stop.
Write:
10 h 23 min
